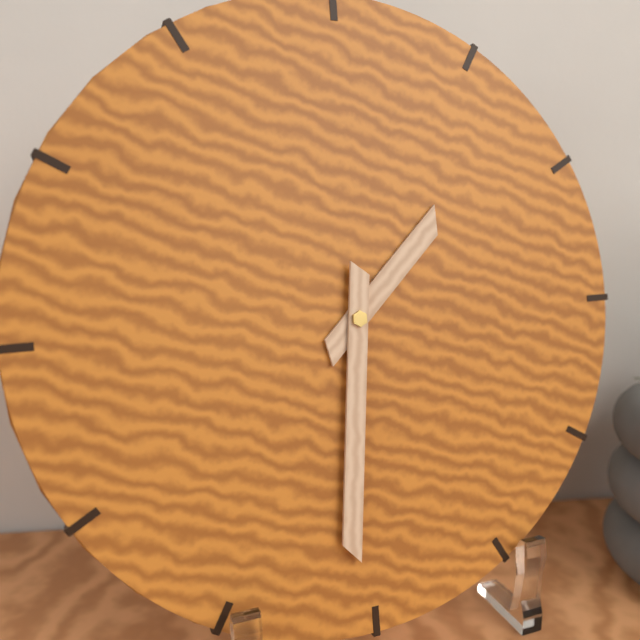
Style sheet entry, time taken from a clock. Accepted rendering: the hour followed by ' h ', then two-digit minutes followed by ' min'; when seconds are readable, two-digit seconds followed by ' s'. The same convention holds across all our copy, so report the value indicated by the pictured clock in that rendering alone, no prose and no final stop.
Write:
1 h 31 min
